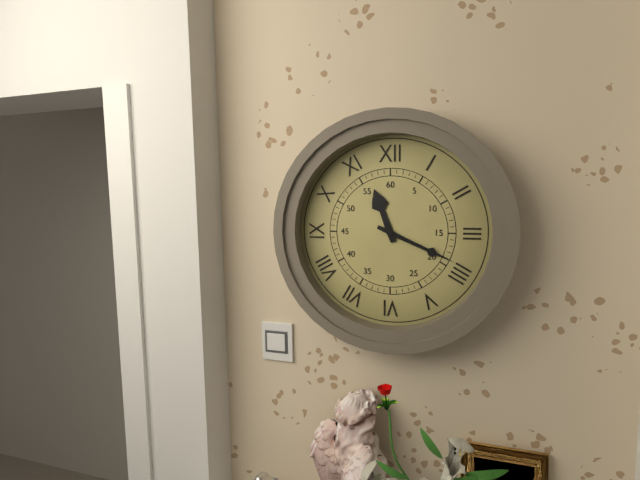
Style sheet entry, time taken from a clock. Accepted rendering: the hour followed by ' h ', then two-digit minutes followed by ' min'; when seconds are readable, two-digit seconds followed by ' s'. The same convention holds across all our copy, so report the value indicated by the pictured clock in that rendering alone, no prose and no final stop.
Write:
11 h 19 min
